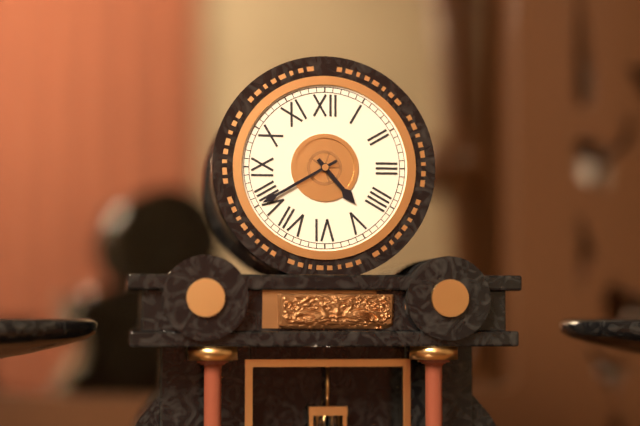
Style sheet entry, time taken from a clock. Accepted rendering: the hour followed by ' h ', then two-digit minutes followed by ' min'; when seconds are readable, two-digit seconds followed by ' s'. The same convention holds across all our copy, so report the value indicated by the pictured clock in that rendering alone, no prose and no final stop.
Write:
4 h 40 min
